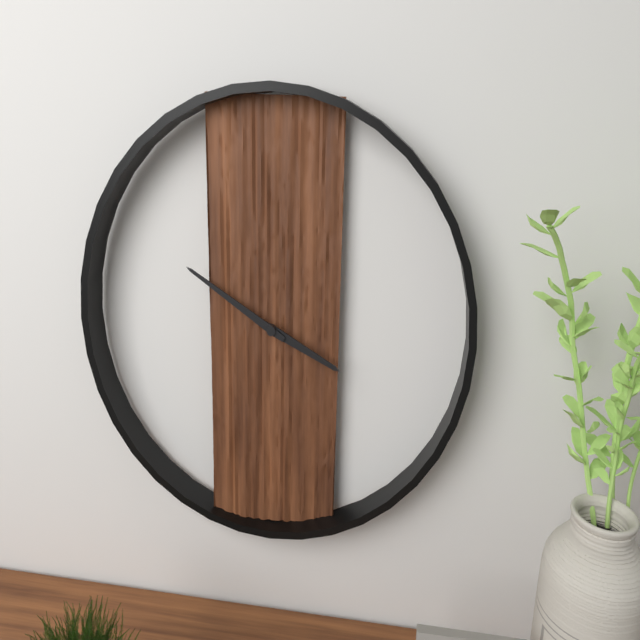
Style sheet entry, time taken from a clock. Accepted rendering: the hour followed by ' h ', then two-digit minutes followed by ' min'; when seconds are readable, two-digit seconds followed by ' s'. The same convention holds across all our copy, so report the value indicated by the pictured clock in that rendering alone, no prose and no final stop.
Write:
3 h 50 min
